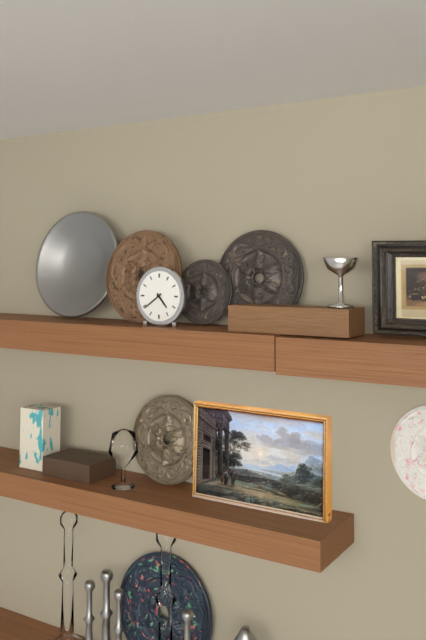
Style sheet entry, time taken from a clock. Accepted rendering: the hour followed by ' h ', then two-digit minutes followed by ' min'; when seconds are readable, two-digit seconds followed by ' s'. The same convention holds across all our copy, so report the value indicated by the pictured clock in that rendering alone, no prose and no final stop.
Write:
4 h 39 min
